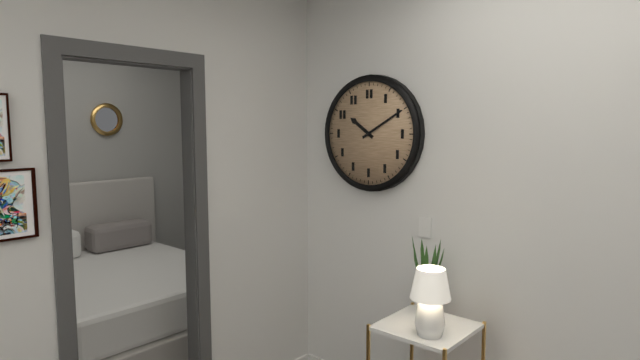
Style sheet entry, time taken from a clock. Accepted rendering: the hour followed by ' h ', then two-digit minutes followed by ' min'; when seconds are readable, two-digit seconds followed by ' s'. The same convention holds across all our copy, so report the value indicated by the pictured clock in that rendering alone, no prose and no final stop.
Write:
10 h 10 min
